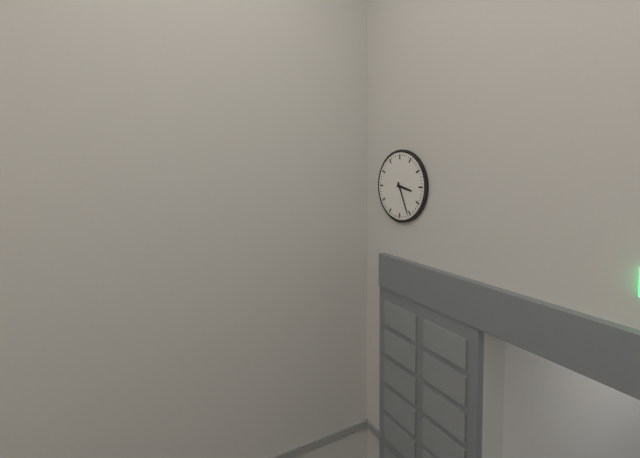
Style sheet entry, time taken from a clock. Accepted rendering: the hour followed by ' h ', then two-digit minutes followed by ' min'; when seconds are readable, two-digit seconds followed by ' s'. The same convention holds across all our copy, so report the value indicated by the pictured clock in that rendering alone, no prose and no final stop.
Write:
3 h 26 min
